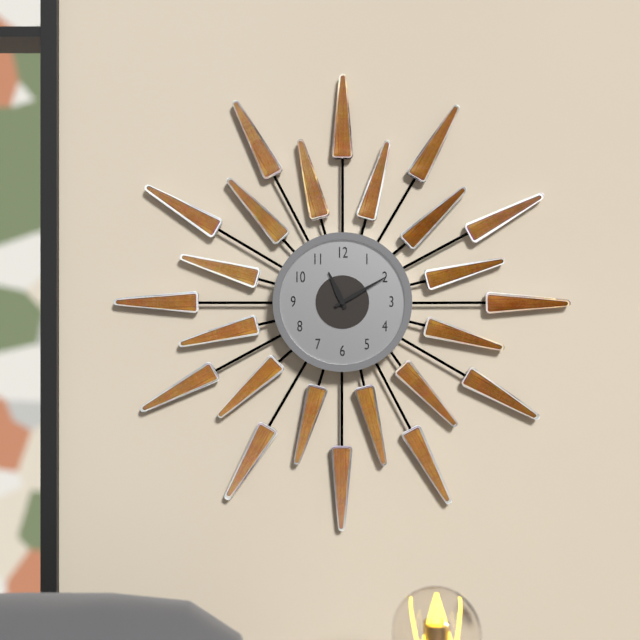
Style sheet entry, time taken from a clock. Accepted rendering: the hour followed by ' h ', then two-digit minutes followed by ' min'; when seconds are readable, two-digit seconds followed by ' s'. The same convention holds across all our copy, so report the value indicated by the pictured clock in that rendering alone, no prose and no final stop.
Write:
11 h 10 min
